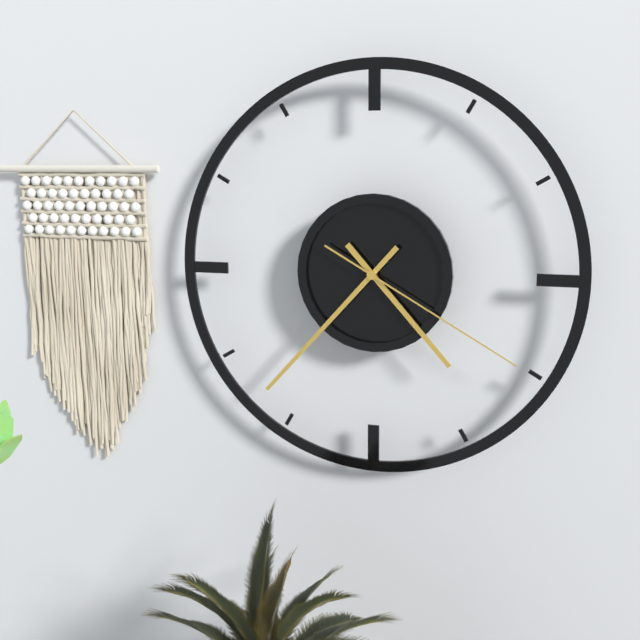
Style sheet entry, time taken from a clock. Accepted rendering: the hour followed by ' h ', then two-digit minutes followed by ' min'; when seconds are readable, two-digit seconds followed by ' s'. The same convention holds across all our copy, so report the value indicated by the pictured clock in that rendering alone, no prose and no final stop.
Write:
4 h 37 min 20 s
